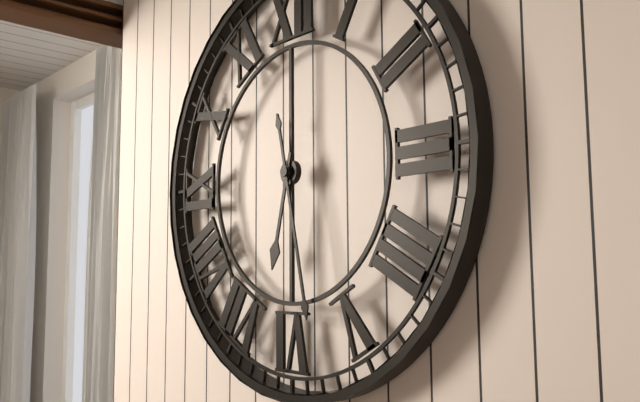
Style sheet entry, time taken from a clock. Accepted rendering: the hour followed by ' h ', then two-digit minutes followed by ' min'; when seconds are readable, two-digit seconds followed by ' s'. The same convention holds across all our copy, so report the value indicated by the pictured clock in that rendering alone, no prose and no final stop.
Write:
6 h 28 min
